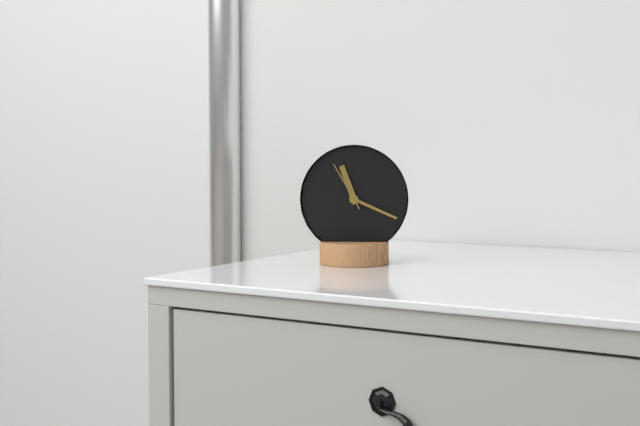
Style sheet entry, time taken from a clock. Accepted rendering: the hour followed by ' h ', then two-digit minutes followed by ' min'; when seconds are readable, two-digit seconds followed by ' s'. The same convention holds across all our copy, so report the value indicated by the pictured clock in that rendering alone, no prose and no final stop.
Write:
11 h 19 min 55 s
